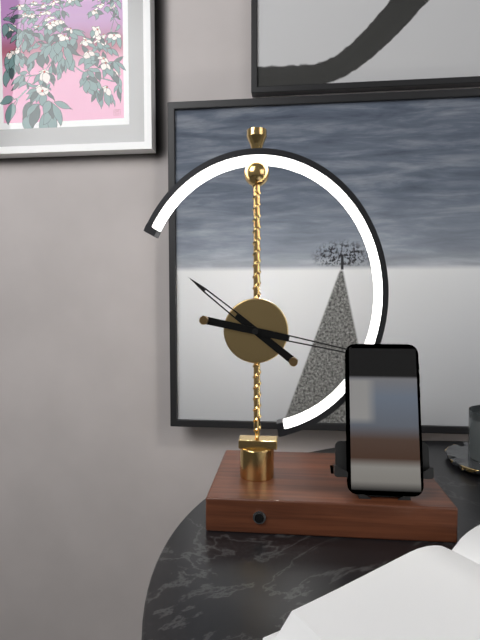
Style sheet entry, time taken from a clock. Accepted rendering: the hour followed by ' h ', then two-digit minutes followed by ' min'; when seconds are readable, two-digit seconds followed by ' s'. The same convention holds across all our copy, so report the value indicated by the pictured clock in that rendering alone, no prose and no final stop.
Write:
10 h 17 min
